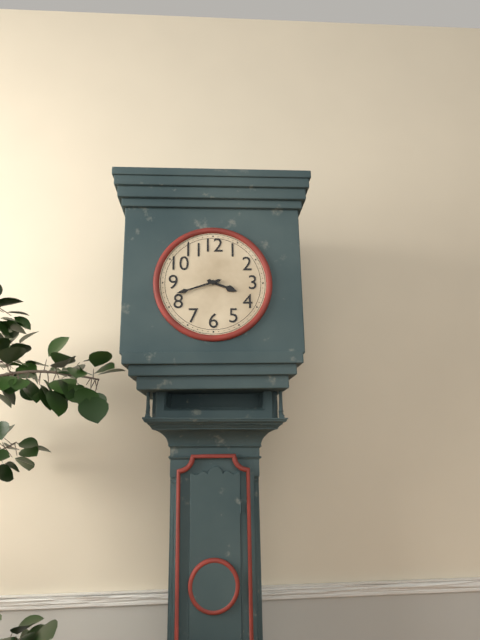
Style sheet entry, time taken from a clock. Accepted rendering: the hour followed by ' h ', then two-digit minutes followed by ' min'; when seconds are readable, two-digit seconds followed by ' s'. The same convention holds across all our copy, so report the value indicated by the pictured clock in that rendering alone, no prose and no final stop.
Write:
3 h 42 min
